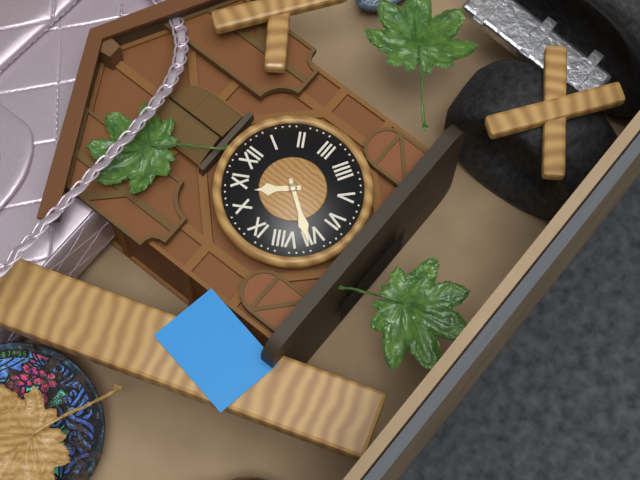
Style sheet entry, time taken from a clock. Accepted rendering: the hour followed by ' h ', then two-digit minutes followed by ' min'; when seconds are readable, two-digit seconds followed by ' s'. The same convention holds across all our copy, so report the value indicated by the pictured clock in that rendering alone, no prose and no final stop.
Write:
10 h 36 min
